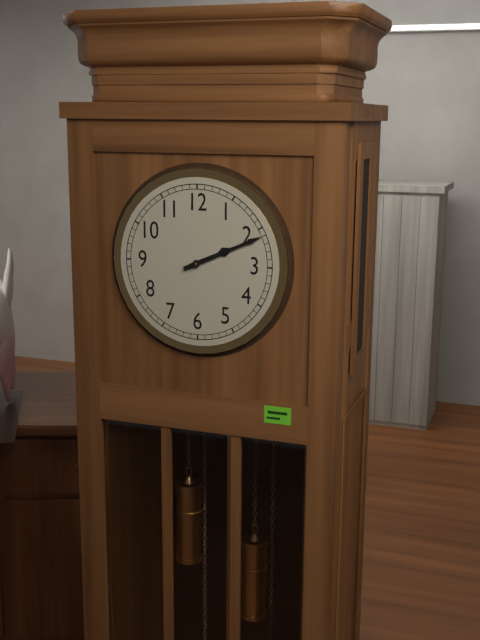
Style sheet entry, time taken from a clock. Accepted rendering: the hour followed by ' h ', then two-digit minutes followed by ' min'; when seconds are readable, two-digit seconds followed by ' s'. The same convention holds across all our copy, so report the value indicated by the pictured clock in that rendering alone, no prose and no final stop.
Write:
2 h 11 min
